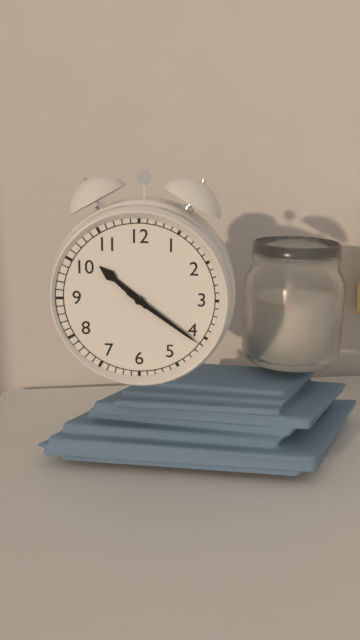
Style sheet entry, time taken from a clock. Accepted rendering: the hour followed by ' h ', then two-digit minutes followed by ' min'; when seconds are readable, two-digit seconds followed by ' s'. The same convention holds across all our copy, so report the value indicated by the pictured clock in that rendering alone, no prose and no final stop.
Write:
10 h 21 min
